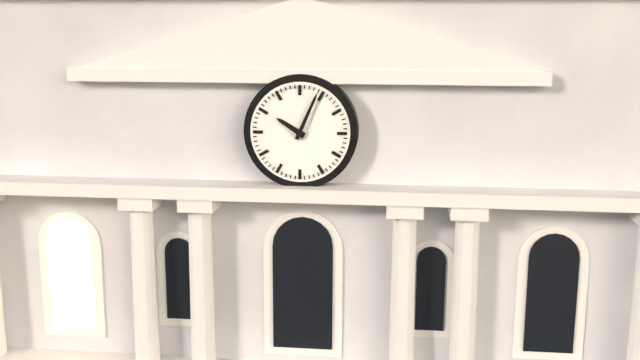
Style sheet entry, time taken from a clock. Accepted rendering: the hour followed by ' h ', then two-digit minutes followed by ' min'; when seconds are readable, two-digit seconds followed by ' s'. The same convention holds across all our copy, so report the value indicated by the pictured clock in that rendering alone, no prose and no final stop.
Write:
10 h 04 min
